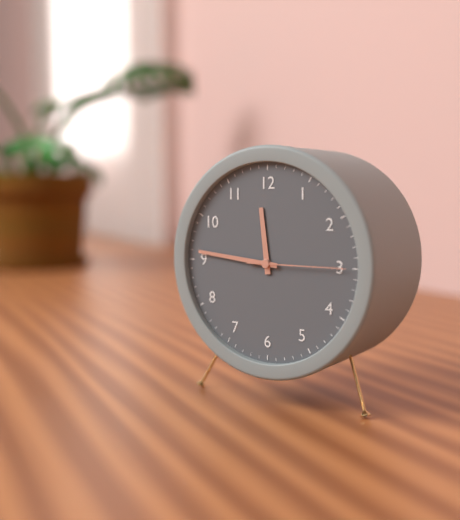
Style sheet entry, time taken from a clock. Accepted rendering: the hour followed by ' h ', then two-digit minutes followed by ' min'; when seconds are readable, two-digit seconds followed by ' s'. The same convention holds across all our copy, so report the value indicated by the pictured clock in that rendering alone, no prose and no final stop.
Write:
11 h 46 min 15 s
